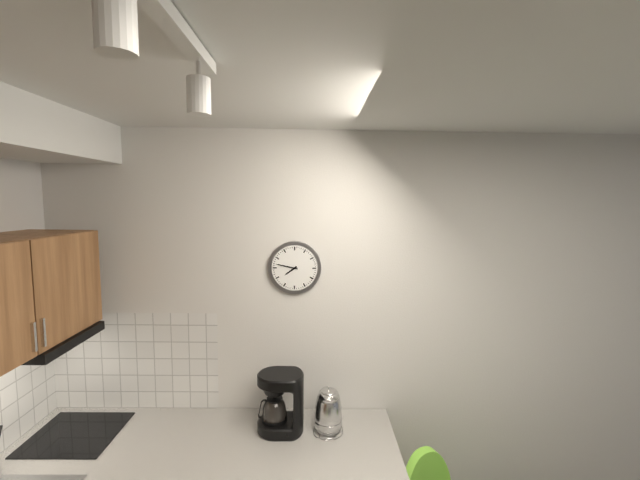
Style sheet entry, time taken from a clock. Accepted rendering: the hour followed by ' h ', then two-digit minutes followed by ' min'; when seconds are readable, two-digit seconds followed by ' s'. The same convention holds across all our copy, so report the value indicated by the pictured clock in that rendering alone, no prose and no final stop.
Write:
7 h 47 min
